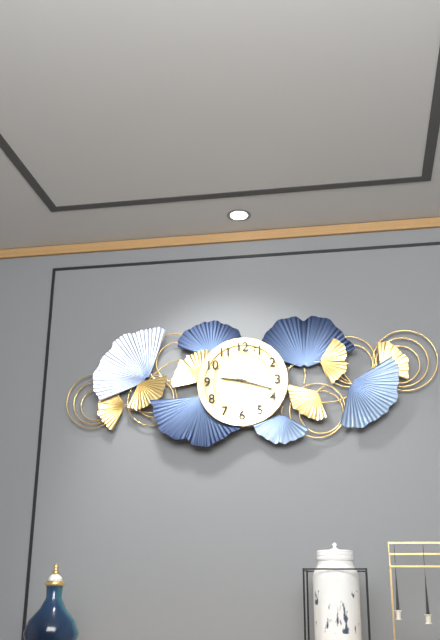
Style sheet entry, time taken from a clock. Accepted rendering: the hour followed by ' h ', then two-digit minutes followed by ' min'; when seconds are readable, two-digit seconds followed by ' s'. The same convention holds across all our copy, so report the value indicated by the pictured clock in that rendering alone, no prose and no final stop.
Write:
9 h 18 min
